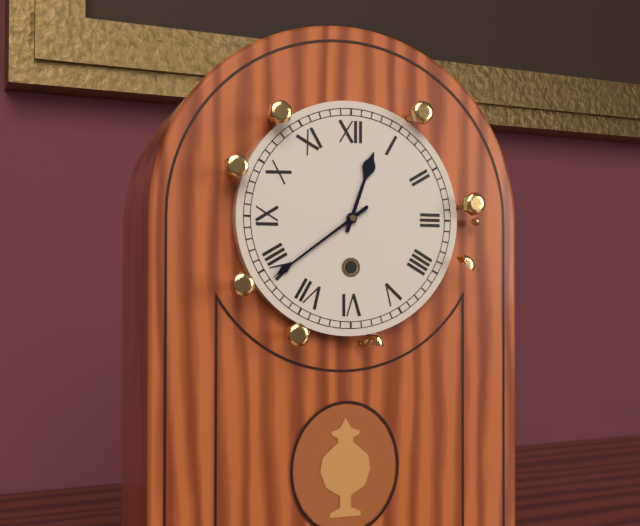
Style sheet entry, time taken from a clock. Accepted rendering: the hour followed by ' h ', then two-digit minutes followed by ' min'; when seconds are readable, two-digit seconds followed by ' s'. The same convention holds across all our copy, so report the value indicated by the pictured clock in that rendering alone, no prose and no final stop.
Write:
12 h 39 min
